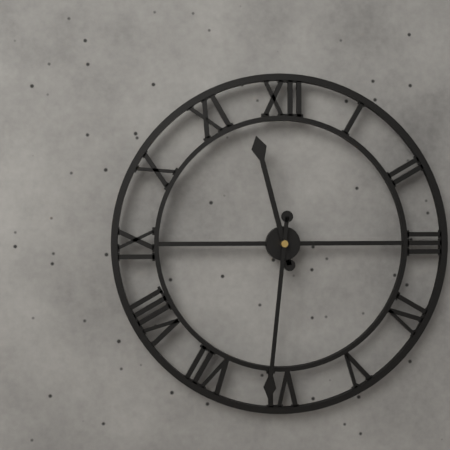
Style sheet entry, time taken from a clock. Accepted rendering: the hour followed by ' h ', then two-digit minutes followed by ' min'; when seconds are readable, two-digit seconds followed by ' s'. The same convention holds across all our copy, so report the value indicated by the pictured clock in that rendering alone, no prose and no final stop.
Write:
11 h 31 min
